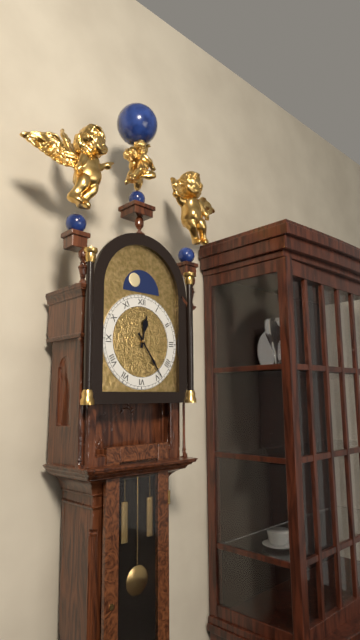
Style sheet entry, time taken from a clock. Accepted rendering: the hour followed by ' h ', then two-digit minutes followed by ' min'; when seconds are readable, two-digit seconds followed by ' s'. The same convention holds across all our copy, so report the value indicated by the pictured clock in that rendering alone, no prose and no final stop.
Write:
12 h 24 min
